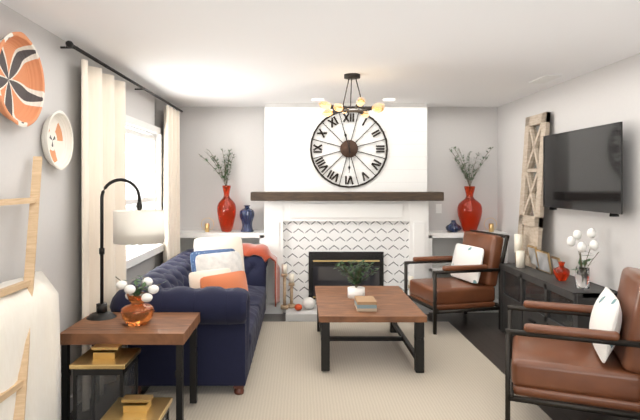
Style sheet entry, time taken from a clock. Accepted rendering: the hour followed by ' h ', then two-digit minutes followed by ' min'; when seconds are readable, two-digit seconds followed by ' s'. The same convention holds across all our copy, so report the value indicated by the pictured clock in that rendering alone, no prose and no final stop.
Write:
11 h 30 min
